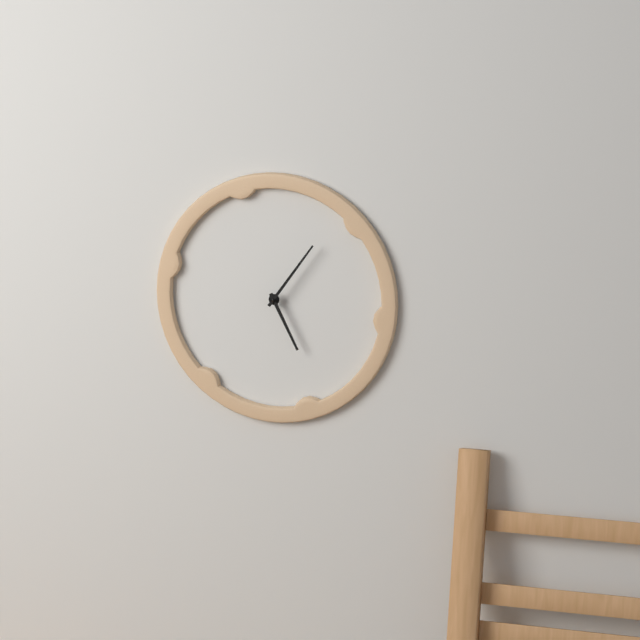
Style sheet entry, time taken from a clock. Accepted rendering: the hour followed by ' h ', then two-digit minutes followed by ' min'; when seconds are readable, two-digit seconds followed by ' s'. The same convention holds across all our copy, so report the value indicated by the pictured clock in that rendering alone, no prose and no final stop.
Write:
5 h 06 min
